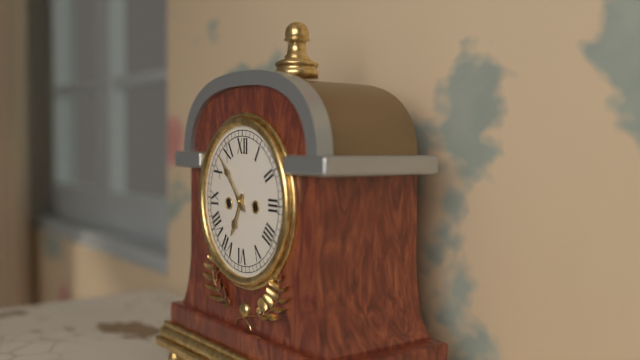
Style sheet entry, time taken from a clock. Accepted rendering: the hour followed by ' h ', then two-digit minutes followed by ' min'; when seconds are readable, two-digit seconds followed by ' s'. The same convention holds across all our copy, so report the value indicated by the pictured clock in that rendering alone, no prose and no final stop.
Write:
6 h 53 min
